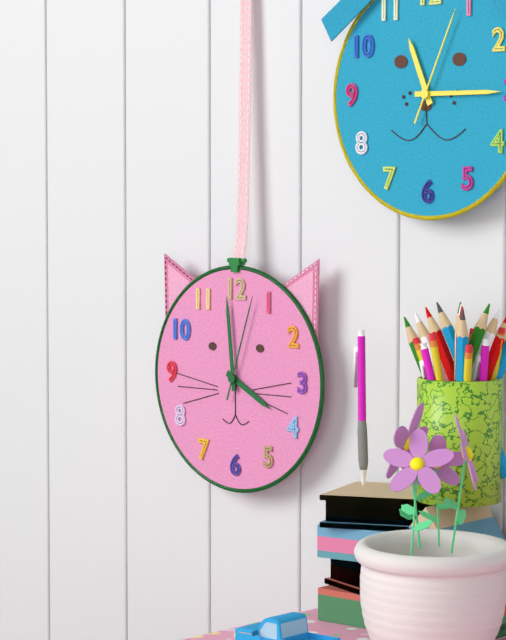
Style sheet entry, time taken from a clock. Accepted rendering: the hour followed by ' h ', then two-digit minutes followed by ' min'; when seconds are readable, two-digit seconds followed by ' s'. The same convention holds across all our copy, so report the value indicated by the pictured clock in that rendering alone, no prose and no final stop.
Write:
3 h 59 min 03 s
